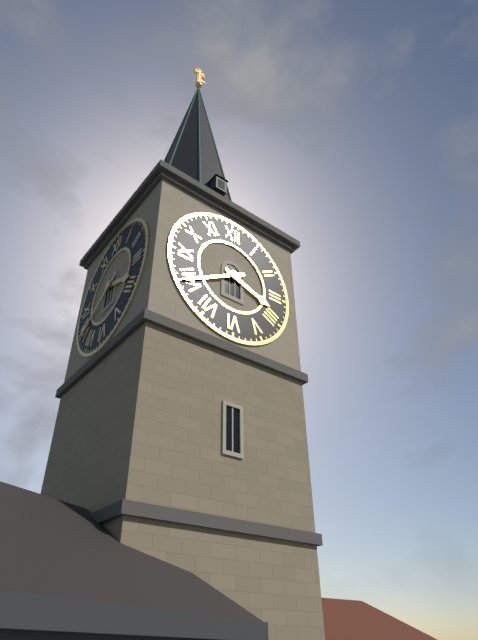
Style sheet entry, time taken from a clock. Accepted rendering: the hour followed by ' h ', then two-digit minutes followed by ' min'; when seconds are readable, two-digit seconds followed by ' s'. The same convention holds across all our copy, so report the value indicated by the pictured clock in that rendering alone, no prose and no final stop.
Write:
3 h 40 min
